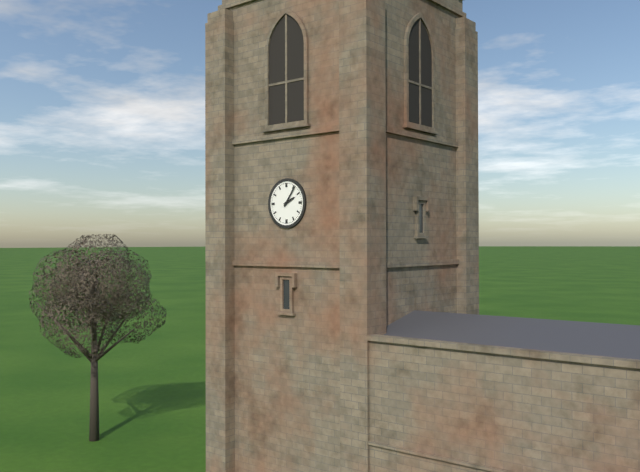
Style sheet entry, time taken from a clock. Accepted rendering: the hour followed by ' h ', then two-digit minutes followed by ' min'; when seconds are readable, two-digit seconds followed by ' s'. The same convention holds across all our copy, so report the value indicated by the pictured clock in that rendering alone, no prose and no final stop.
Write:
2 h 06 min
